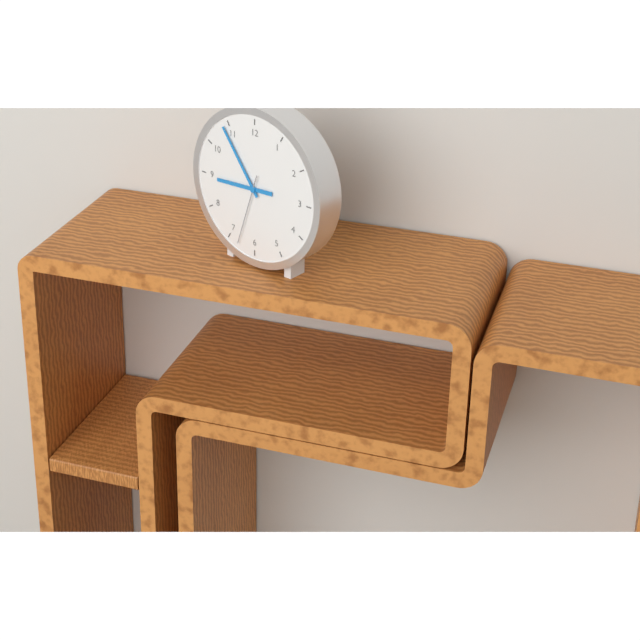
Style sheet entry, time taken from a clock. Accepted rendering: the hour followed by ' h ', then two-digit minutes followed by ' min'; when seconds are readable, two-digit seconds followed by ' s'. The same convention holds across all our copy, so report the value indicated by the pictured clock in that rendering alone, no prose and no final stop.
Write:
8 h 54 min 33 s
